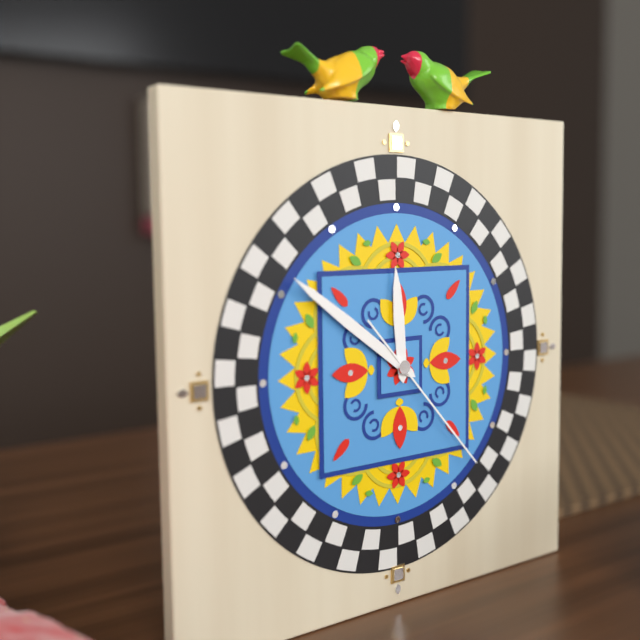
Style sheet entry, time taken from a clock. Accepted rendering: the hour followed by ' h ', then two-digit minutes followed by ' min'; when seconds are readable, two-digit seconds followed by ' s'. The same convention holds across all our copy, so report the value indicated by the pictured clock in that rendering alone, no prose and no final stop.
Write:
11 h 51 min 23 s
